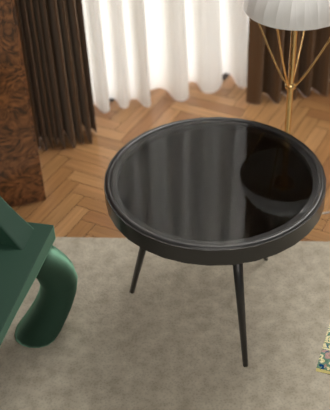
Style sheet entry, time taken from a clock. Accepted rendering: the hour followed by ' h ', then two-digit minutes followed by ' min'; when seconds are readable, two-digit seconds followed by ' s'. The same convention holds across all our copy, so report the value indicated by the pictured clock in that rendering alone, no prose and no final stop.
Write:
9 h 48 min
